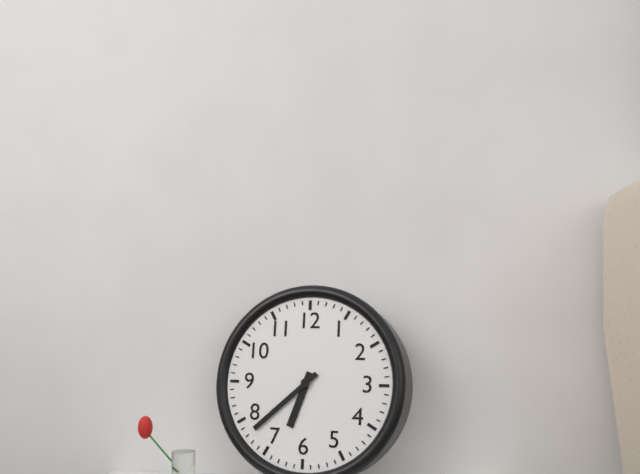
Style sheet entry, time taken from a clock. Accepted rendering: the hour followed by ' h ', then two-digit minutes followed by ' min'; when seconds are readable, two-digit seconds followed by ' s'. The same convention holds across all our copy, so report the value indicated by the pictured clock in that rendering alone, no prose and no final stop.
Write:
6 h 38 min
